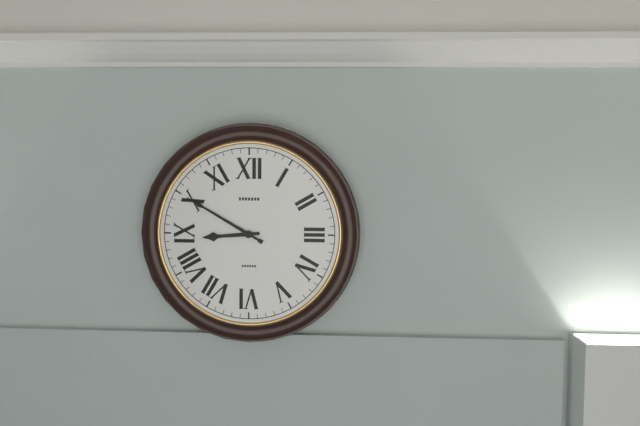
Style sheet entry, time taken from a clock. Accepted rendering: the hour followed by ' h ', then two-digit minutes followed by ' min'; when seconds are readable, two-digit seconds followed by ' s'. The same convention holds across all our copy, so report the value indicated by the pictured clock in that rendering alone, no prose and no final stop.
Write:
8 h 50 min
